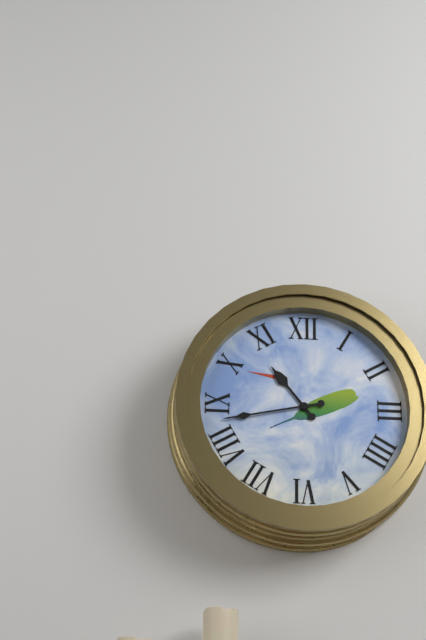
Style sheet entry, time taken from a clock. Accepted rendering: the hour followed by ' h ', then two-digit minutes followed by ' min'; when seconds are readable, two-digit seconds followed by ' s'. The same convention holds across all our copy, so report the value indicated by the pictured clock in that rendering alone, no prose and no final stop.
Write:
10 h 43 min
